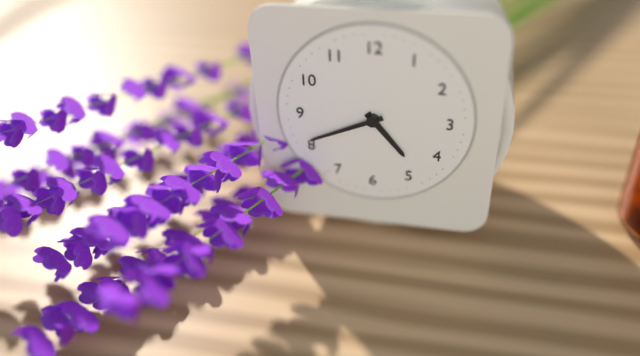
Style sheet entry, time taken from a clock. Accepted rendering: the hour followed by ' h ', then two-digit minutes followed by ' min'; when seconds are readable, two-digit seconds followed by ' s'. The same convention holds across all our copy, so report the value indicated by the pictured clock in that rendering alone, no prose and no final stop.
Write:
4 h 41 min
